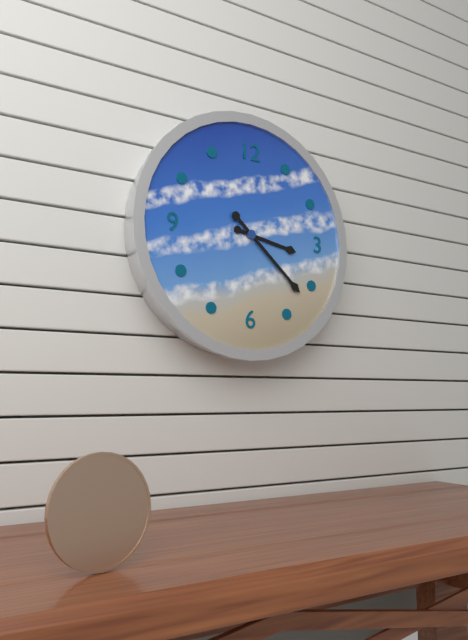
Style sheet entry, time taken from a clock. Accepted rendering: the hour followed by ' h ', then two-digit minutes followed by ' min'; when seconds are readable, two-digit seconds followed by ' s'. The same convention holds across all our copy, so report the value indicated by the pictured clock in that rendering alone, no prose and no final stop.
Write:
3 h 22 min
